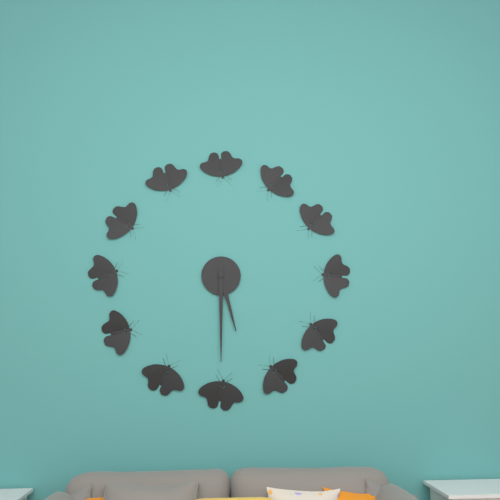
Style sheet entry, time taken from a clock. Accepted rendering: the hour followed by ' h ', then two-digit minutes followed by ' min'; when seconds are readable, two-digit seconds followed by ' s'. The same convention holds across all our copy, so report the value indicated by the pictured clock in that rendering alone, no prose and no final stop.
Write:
5 h 30 min
